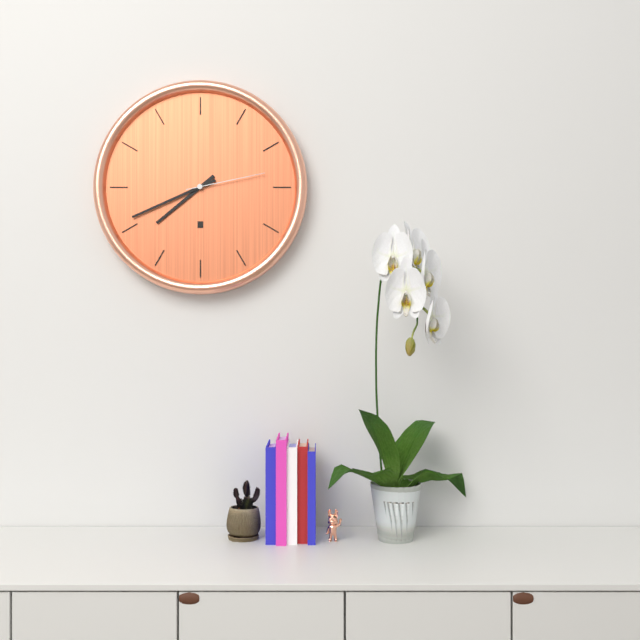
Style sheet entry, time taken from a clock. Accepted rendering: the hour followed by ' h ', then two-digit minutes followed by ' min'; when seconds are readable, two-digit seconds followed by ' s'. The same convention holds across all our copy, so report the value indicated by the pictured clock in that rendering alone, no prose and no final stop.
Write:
7 h 41 min 13 s
